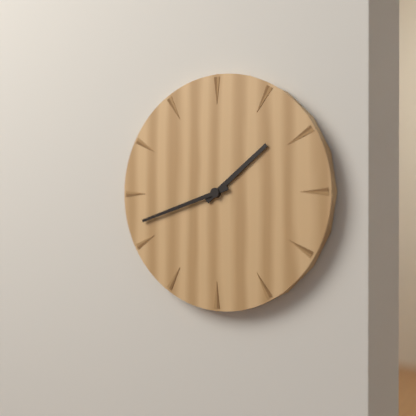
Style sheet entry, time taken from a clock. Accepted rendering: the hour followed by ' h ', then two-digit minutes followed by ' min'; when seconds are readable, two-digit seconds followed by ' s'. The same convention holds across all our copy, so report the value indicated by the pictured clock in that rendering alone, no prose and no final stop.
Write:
1 h 42 min
